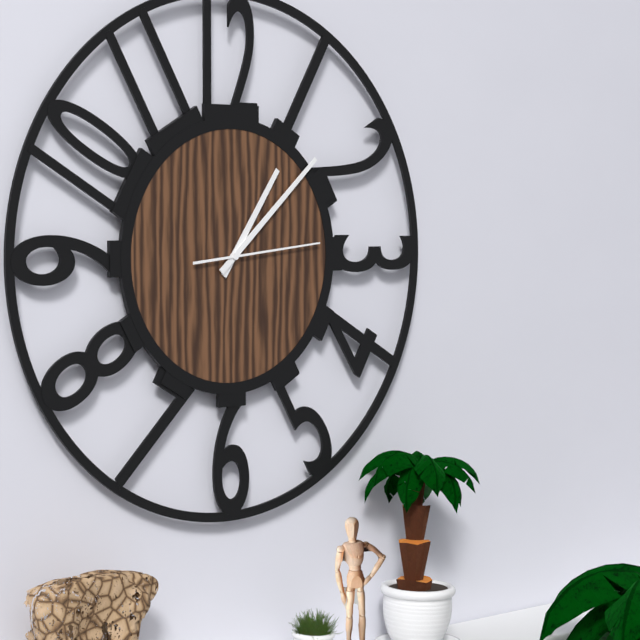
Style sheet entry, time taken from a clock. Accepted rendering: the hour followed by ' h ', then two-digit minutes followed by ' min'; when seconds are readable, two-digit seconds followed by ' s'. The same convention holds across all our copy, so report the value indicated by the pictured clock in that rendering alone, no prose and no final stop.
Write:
1 h 08 min 14 s
